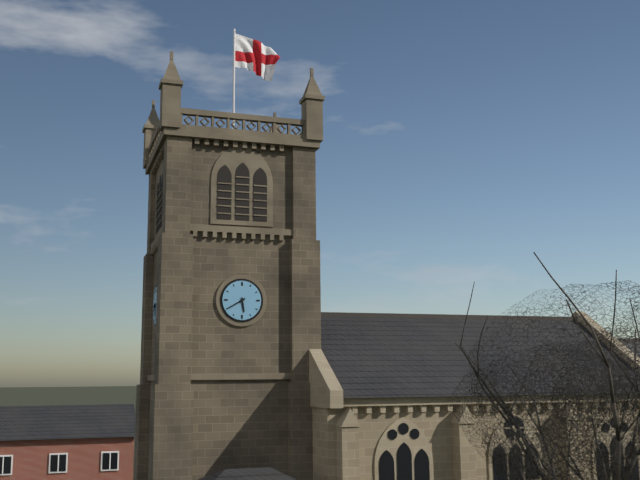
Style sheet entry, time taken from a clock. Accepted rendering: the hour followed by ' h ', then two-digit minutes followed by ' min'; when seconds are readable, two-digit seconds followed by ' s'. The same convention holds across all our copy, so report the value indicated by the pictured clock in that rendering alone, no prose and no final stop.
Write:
5 h 40 min
